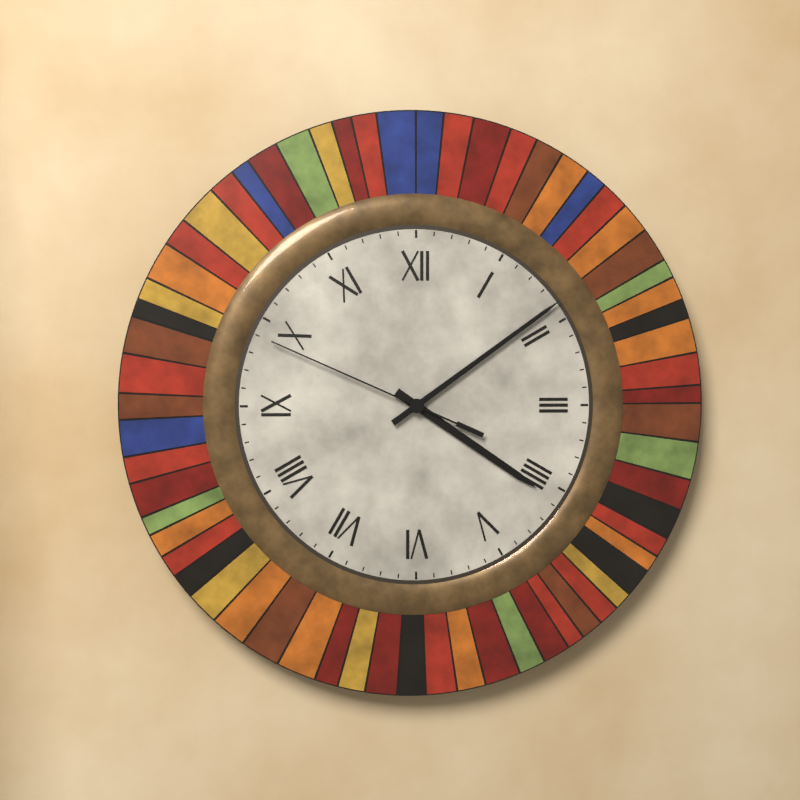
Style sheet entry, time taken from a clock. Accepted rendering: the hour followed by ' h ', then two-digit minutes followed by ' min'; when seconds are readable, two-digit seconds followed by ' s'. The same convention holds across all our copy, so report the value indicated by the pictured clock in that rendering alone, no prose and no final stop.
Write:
4 h 09 min 49 s
